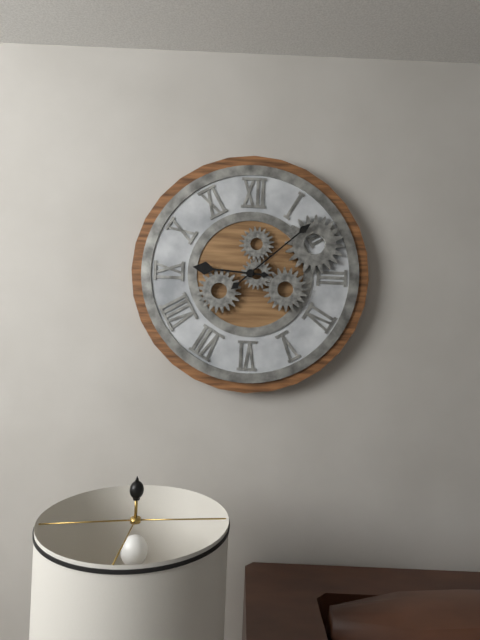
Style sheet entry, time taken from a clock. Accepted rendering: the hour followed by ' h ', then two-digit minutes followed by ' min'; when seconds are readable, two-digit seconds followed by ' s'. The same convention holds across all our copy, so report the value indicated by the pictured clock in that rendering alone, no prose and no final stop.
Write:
9 h 08 min
